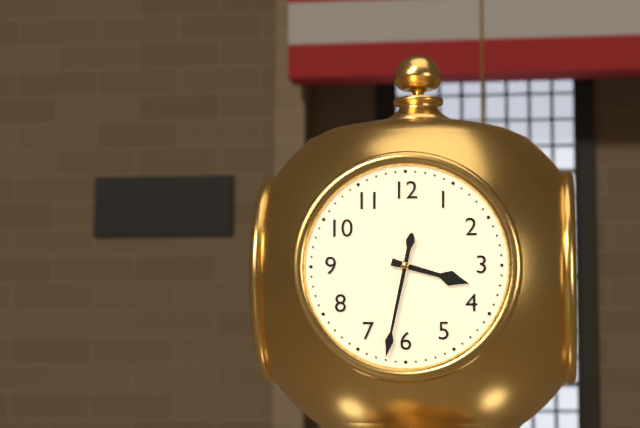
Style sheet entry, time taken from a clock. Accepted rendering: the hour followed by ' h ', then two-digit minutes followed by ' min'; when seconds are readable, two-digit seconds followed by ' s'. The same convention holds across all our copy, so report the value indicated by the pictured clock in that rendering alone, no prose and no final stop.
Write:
3 h 32 min
